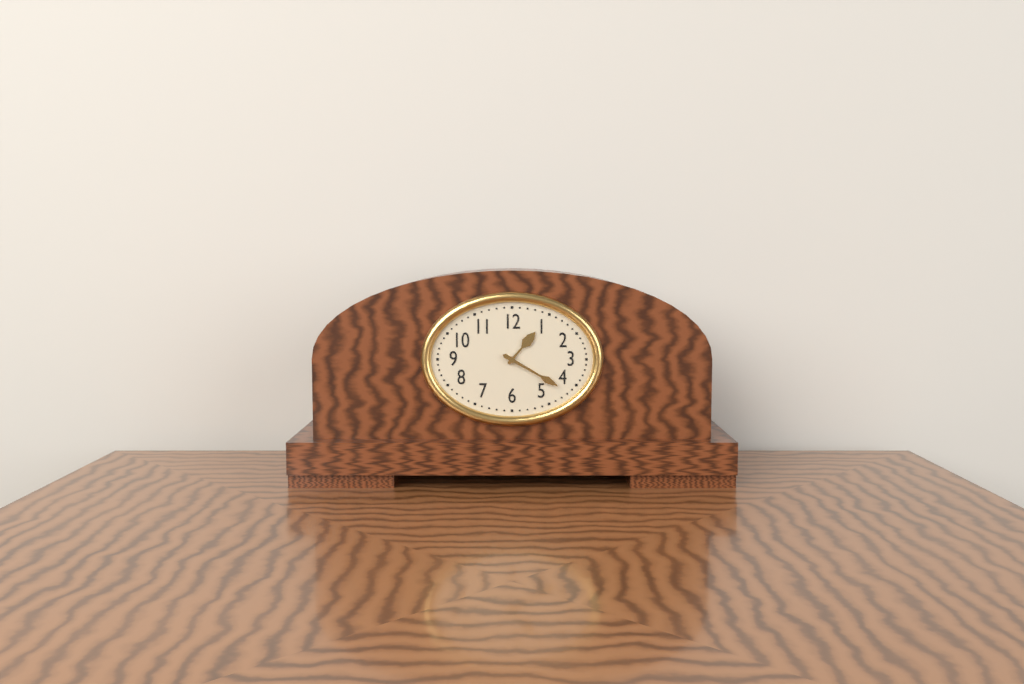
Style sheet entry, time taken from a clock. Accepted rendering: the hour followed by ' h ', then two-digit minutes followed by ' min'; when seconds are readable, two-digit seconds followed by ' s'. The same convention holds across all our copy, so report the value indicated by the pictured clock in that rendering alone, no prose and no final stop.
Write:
1 h 20 min
